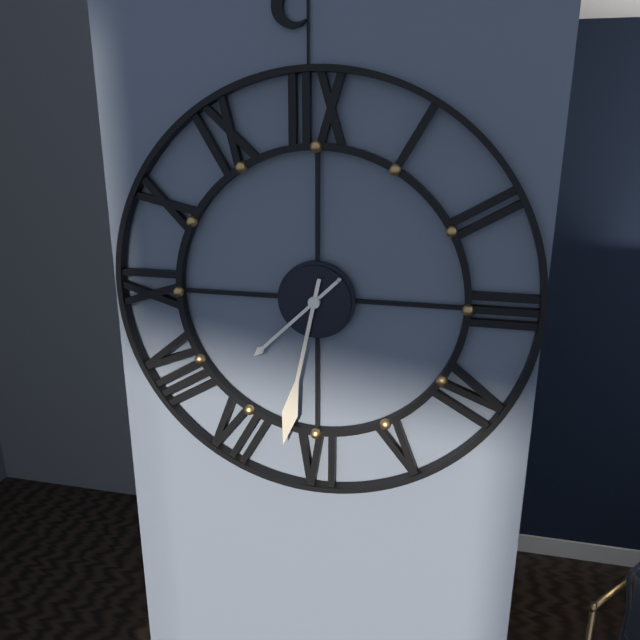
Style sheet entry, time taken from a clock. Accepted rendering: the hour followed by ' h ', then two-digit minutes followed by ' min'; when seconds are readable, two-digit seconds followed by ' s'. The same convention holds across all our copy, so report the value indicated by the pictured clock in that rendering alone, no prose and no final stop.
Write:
7 h 32 min
